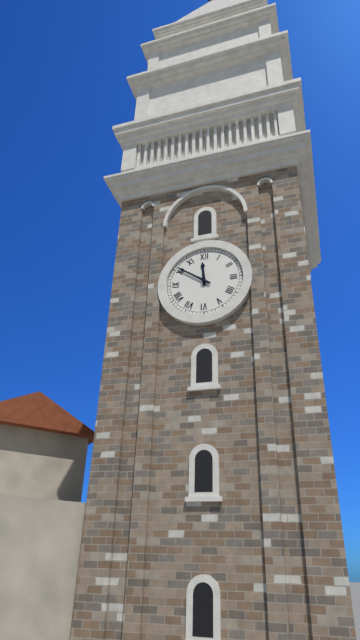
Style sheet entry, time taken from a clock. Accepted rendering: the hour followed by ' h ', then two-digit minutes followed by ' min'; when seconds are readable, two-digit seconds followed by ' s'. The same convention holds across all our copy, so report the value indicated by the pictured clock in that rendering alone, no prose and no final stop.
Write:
11 h 51 min
